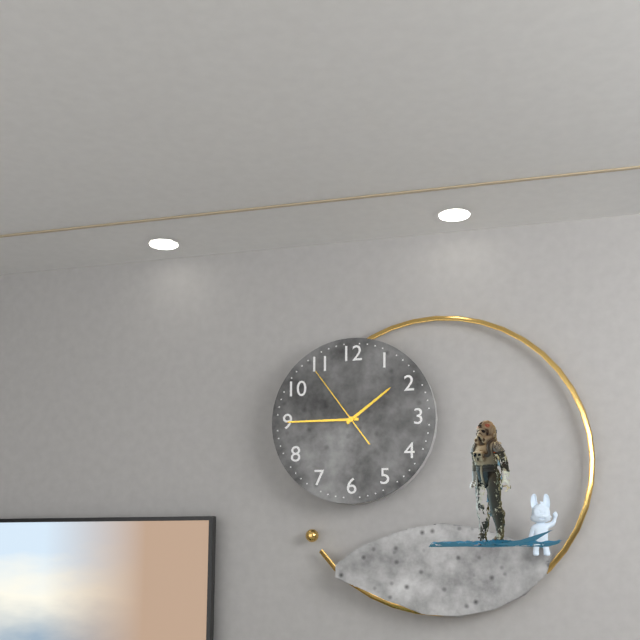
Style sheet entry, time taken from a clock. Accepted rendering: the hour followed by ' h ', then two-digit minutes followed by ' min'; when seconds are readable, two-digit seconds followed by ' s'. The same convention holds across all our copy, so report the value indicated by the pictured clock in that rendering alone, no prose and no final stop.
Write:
1 h 45 min 54 s
